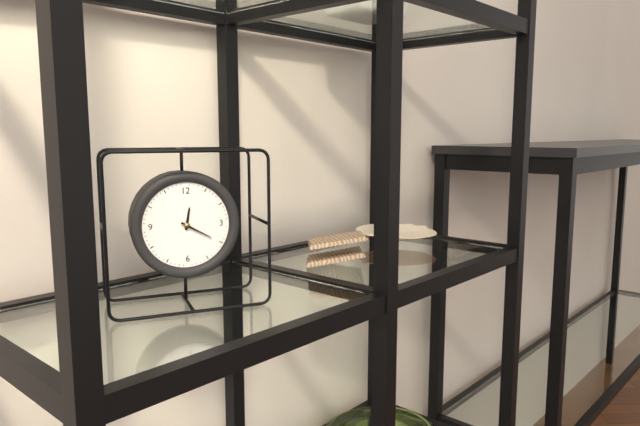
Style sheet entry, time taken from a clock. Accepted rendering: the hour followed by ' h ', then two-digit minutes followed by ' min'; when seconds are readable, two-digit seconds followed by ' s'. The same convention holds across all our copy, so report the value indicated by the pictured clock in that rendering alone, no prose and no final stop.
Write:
12 h 20 min
